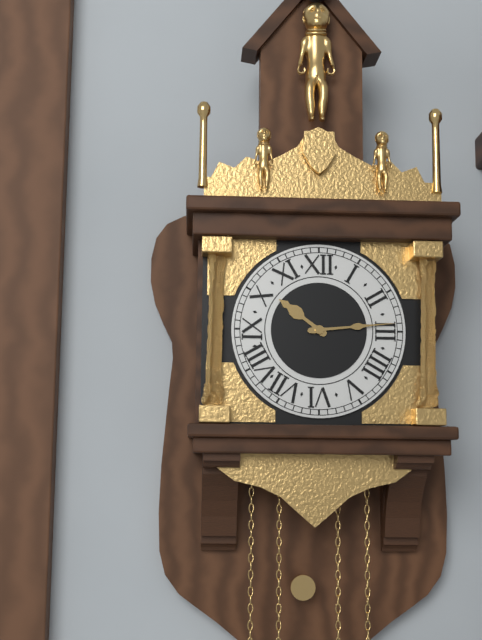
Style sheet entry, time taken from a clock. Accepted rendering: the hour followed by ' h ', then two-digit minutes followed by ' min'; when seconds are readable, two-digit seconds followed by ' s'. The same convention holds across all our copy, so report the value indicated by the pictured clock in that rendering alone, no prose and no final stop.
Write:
10 h 14 min
